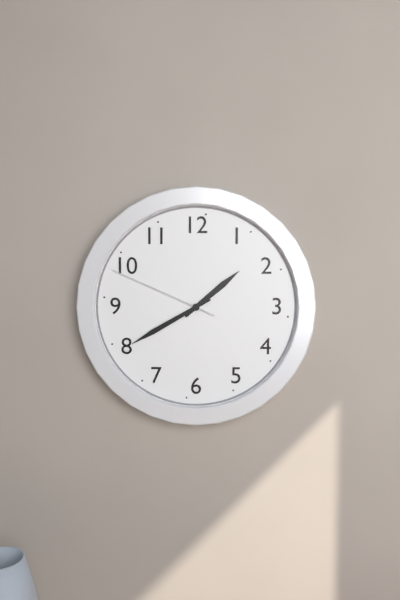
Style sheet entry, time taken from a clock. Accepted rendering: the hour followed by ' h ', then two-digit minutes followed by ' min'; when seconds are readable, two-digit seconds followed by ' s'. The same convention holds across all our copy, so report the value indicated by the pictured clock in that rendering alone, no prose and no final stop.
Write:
1 h 40 min 49 s
